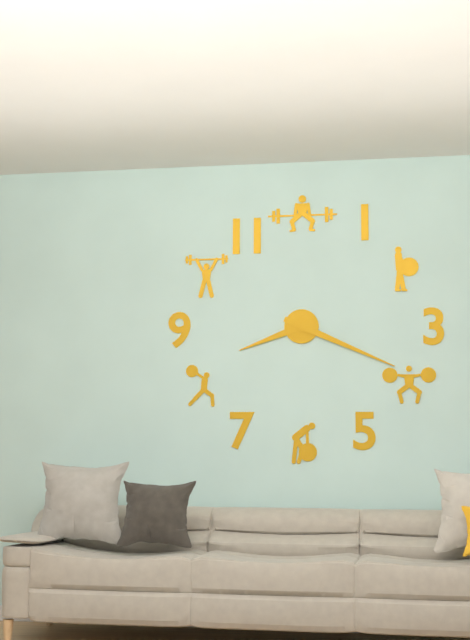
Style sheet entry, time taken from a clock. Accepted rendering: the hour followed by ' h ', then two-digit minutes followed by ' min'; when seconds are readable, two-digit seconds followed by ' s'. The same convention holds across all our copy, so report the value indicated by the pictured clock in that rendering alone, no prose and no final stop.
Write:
8 h 19 min
